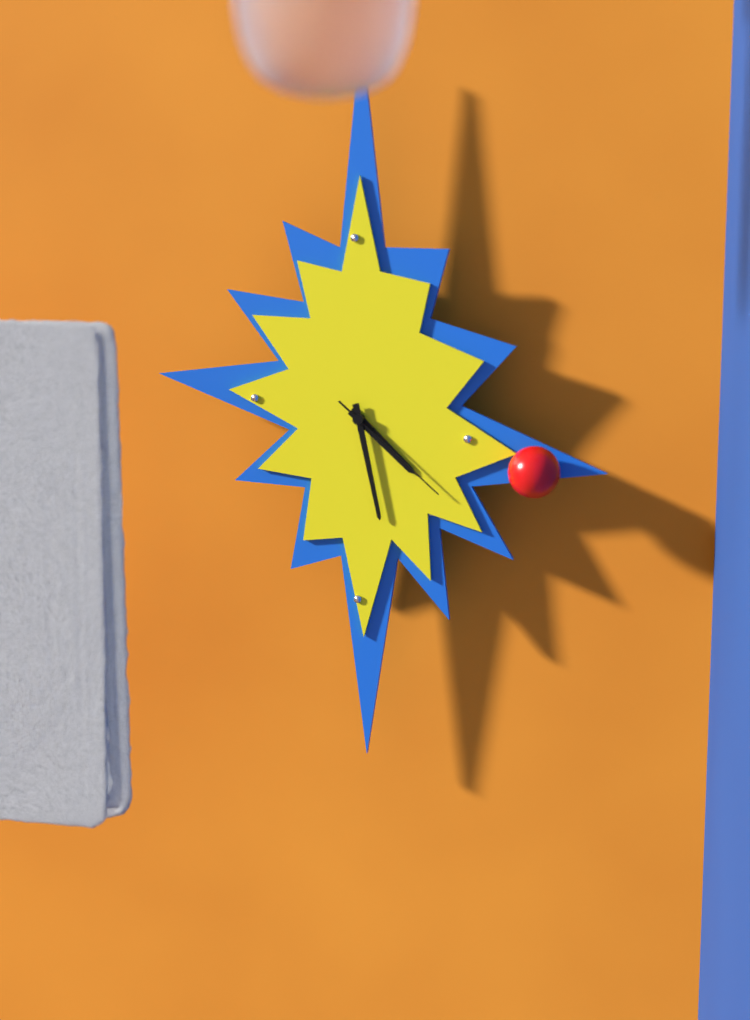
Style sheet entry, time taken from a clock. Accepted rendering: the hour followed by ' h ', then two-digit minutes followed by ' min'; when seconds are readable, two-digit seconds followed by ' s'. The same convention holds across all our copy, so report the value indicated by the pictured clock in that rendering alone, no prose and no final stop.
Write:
4 h 28 min 22 s
